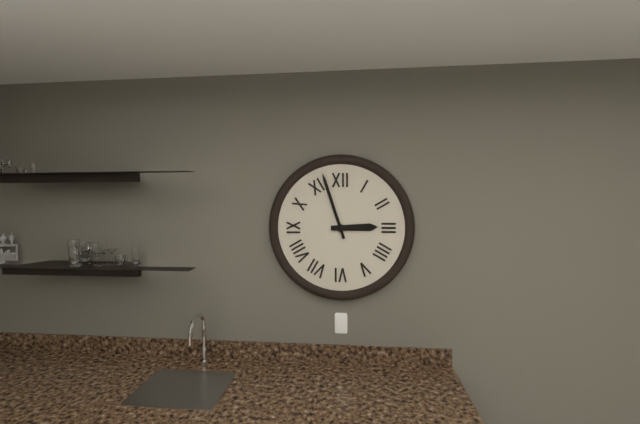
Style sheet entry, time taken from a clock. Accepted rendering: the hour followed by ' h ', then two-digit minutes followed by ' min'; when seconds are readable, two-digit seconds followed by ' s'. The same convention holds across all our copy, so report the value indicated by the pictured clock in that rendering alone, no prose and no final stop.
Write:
2 h 57 min
